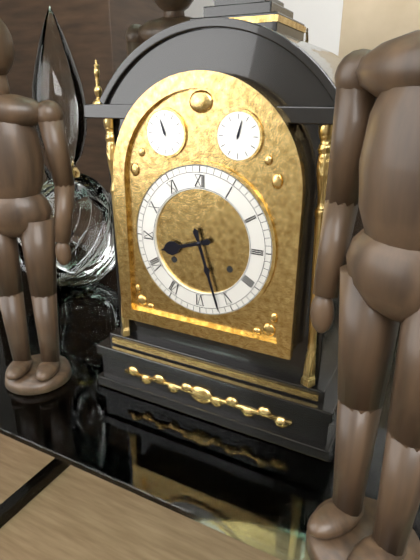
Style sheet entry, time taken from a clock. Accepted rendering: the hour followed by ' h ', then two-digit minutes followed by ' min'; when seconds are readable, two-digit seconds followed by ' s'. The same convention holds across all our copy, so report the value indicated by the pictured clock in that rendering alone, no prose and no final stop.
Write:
8 h 27 min
